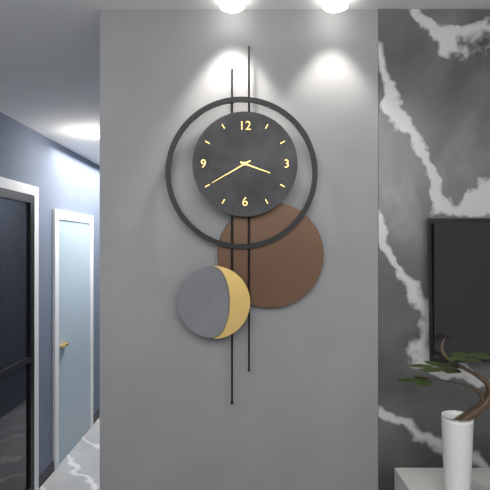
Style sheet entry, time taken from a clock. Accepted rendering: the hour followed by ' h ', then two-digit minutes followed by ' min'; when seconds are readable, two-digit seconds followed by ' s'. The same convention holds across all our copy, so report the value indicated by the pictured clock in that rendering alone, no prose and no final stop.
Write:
3 h 40 min
